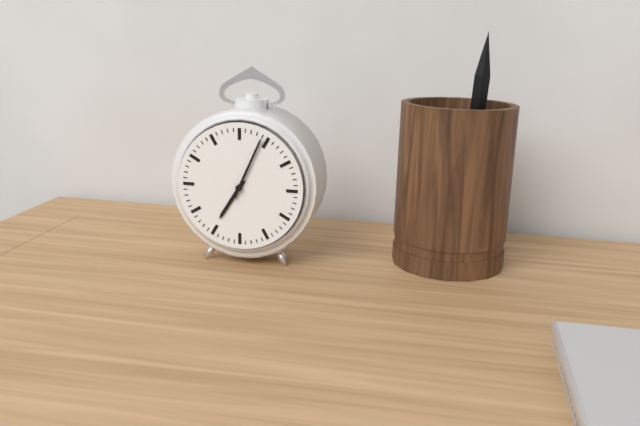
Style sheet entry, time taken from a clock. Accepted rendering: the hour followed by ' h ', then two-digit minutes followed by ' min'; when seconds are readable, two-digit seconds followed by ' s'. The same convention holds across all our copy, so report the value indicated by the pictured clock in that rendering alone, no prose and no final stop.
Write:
7 h 04 min
